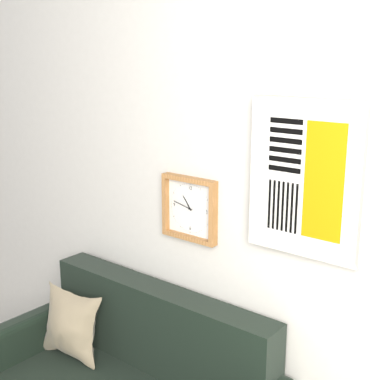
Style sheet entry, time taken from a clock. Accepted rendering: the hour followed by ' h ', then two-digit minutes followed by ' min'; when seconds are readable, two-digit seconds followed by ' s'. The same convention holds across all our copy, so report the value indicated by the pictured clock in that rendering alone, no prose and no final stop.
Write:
10 h 47 min
